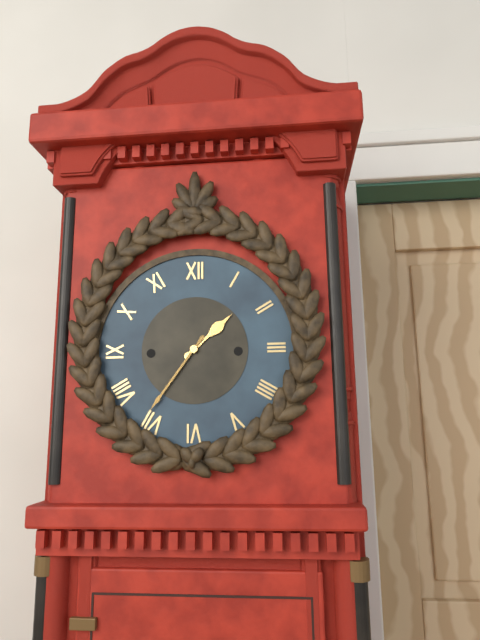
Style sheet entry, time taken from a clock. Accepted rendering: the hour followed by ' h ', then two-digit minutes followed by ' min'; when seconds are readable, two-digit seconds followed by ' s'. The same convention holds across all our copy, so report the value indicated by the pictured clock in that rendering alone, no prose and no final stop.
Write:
1 h 36 min
